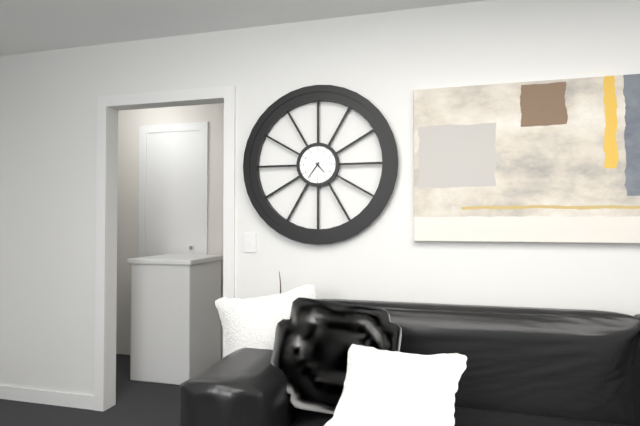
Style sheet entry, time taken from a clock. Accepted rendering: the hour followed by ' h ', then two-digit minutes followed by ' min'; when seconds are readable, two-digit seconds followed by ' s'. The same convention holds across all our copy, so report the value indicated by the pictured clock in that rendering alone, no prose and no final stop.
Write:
4 h 36 min
